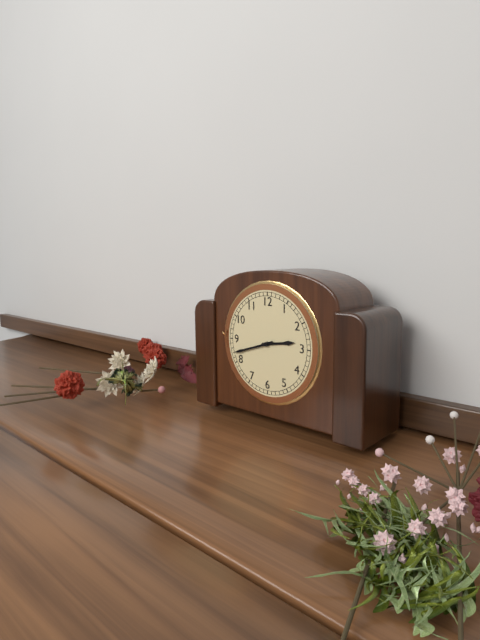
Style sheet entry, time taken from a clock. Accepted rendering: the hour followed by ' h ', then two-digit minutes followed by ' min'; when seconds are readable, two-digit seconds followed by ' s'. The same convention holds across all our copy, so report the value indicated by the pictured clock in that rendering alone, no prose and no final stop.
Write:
2 h 42 min
